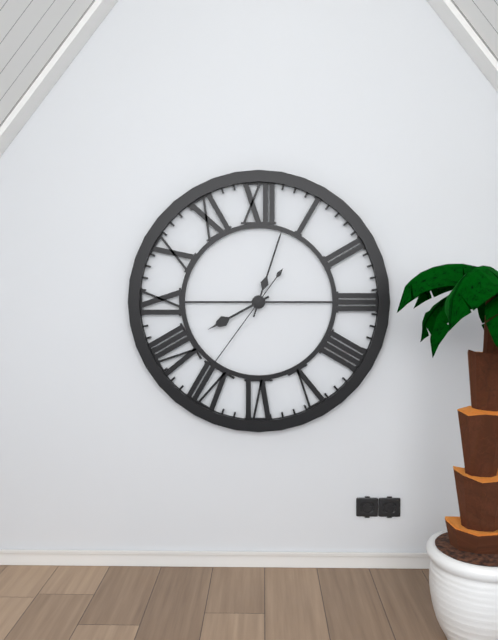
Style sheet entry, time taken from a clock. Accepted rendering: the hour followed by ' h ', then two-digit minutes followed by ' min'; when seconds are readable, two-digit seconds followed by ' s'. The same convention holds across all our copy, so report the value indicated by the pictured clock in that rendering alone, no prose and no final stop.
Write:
8 h 03 min 36 s
